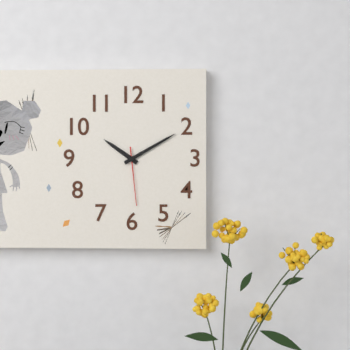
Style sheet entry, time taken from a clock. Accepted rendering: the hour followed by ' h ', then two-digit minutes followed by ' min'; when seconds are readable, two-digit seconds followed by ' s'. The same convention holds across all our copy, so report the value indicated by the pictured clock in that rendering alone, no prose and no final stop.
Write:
10 h 10 min 29 s
